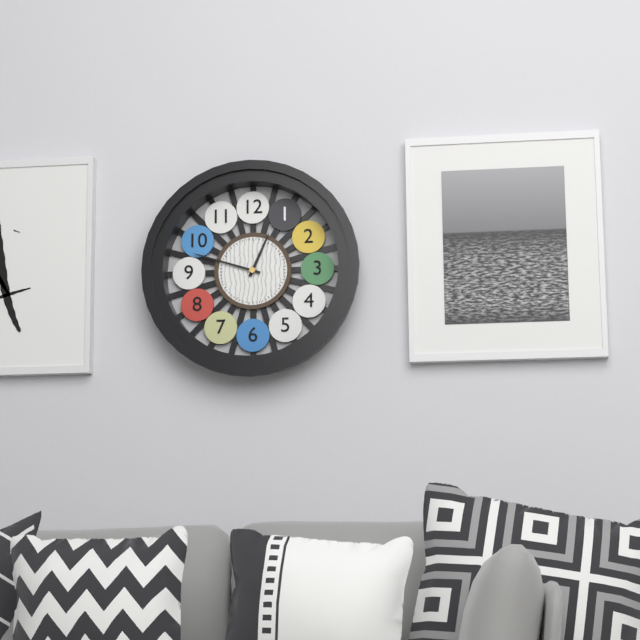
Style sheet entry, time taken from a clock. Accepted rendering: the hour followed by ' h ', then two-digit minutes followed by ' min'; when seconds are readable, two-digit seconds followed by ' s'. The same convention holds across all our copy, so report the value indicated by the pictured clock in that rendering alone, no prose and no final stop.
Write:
12 h 48 min
